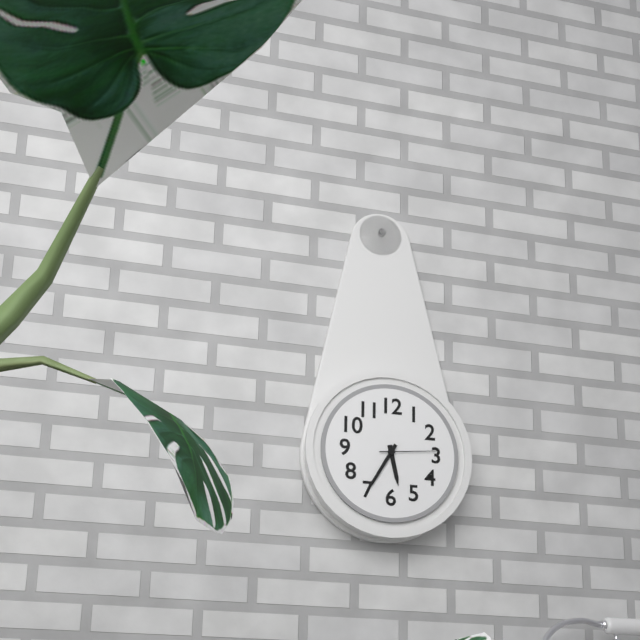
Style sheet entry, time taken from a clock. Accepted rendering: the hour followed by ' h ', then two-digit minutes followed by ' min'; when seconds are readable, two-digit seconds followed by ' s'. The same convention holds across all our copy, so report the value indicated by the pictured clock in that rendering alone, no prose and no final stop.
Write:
5 h 35 min 14 s
